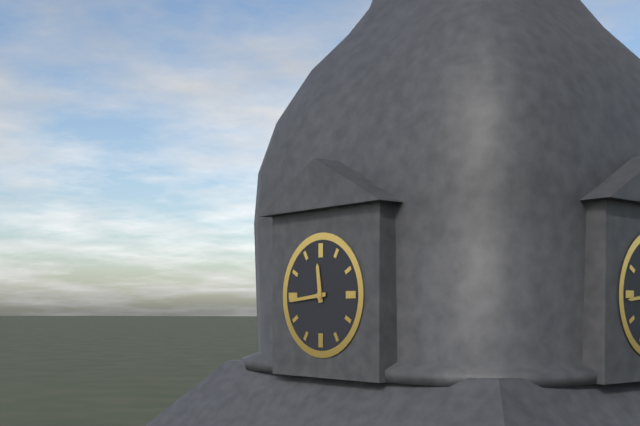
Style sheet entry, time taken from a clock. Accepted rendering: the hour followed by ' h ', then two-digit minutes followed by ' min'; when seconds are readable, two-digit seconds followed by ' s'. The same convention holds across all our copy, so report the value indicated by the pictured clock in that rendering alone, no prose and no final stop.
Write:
11 h 44 min
